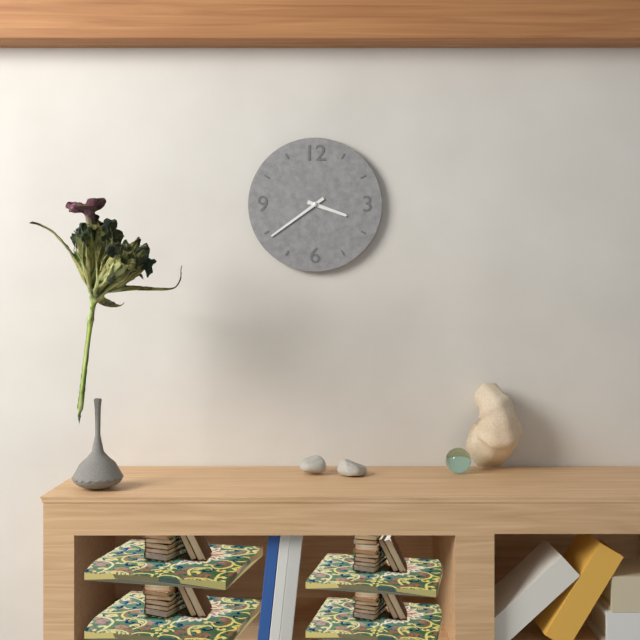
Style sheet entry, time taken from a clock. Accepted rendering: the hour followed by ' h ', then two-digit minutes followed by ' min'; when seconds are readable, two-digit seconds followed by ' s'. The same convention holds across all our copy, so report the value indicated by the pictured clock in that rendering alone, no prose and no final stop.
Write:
3 h 39 min
